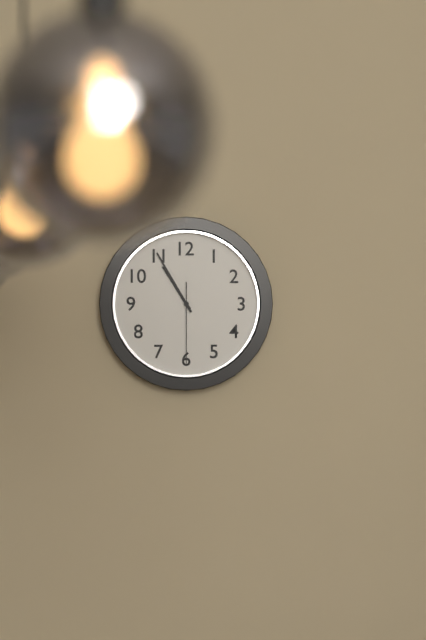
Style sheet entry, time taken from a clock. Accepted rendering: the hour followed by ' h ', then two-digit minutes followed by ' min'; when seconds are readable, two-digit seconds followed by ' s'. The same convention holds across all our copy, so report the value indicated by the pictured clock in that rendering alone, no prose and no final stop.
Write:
10 h 55 min 30 s
